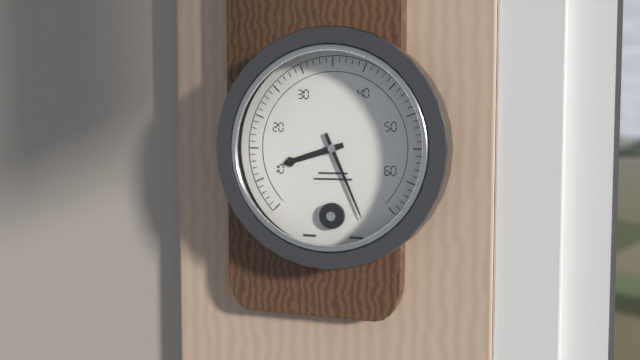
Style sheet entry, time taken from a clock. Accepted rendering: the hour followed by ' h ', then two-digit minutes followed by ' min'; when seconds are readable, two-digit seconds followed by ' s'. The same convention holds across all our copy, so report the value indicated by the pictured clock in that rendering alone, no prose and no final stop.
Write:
8 h 26 min
